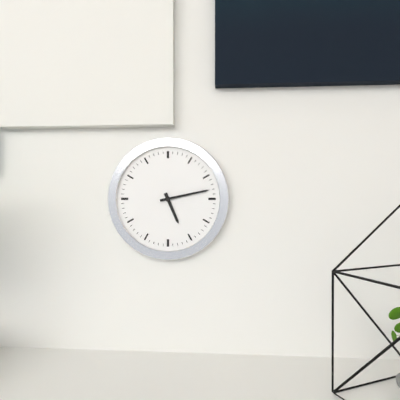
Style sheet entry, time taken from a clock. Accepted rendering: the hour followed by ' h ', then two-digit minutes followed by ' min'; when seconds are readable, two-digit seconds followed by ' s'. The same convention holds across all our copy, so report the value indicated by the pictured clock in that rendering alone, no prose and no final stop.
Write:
5 h 13 min
